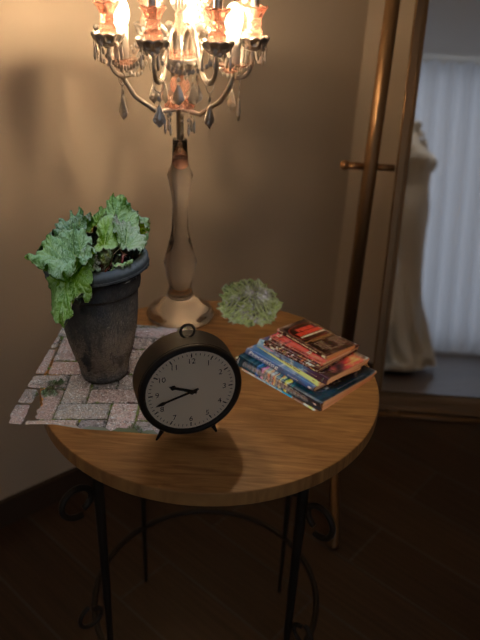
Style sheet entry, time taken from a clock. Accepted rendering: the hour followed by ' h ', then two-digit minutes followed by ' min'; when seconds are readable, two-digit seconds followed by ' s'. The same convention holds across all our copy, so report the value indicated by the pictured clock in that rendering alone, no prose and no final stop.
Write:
9 h 42 min
